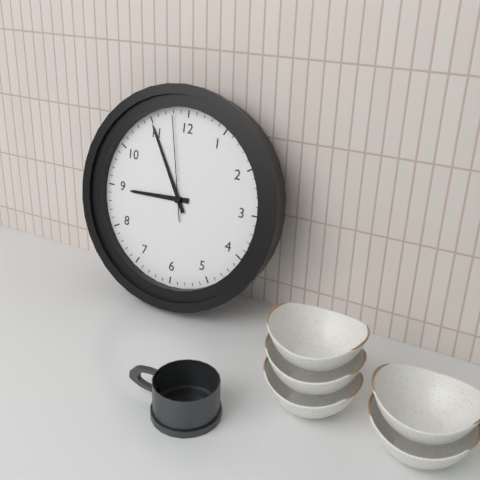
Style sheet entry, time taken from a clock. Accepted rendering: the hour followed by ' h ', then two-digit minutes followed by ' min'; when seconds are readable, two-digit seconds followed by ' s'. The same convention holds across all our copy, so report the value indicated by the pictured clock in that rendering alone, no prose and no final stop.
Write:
8 h 55 min 58 s
